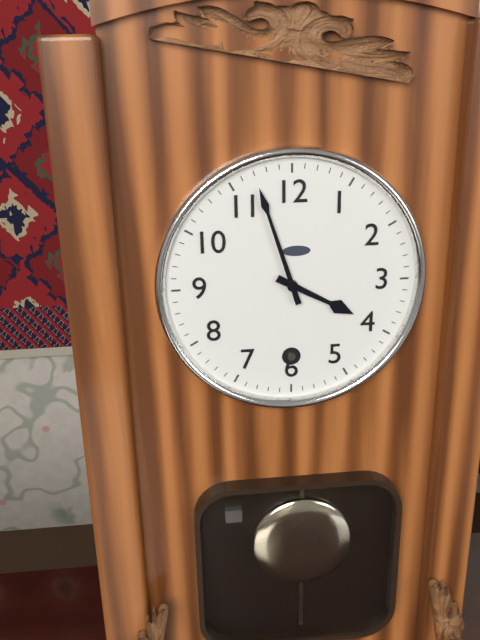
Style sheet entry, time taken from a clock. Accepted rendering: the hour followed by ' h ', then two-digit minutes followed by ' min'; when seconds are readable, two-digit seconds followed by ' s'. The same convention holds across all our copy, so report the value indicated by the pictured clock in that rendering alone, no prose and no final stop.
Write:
3 h 57 min
